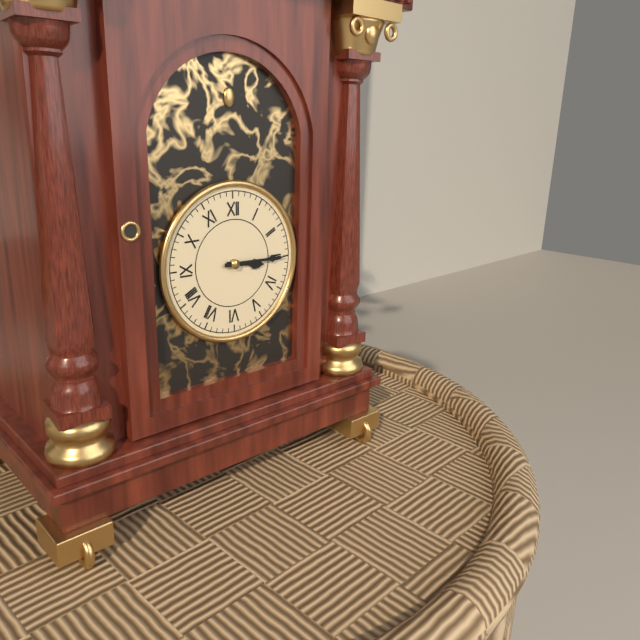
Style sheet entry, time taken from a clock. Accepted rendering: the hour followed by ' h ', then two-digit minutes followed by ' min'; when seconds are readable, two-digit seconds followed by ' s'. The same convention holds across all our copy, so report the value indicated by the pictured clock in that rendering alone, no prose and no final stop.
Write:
3 h 15 min
